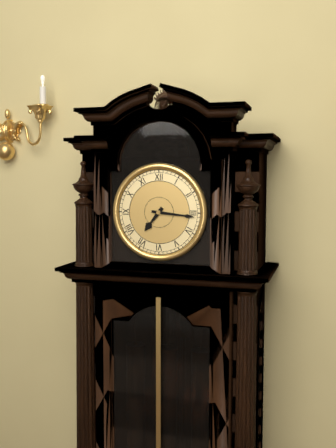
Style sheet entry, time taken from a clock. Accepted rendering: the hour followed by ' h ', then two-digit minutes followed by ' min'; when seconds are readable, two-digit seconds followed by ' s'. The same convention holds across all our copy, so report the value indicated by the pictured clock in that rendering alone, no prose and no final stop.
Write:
7 h 16 min
